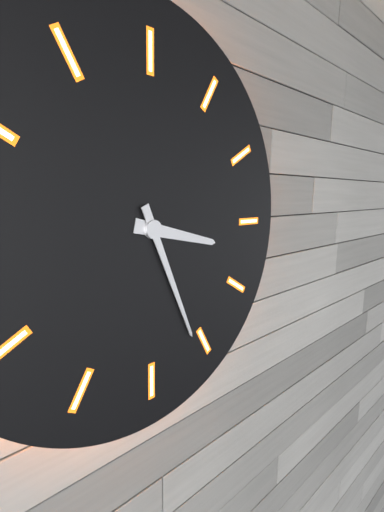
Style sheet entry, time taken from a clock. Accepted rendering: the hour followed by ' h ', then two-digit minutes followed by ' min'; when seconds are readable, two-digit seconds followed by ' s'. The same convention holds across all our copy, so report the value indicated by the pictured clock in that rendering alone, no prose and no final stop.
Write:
3 h 26 min
